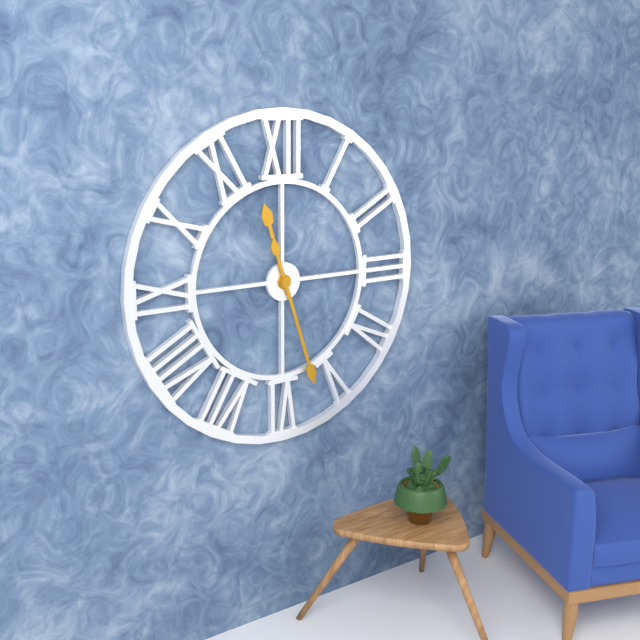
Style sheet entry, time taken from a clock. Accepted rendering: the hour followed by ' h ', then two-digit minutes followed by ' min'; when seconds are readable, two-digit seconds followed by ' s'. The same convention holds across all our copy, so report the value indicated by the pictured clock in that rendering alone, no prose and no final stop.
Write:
11 h 27 min
